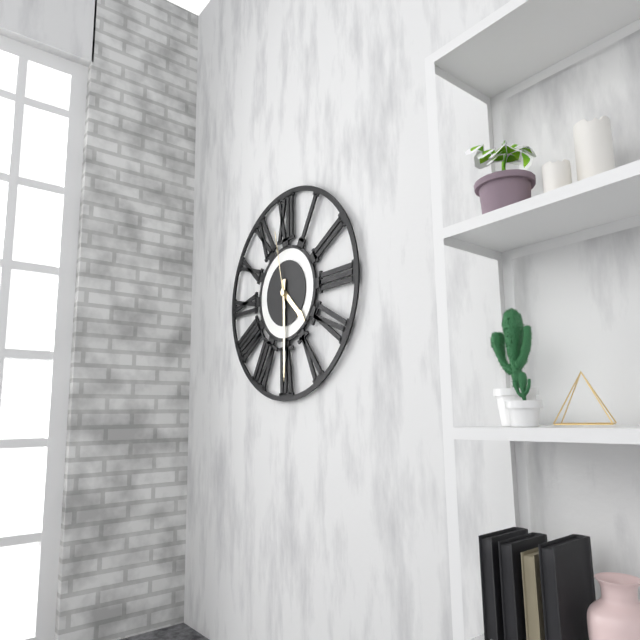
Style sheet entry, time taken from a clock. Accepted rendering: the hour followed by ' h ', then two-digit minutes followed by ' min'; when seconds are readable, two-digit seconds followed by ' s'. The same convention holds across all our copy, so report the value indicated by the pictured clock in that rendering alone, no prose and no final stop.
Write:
4 h 30 min 58 s
